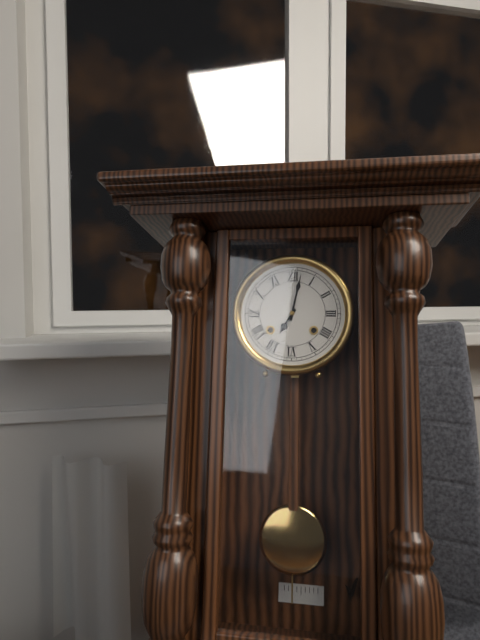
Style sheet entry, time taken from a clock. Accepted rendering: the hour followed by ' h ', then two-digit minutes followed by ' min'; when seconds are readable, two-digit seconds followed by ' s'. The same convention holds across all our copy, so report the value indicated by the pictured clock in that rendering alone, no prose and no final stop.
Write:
7 h 02 min
